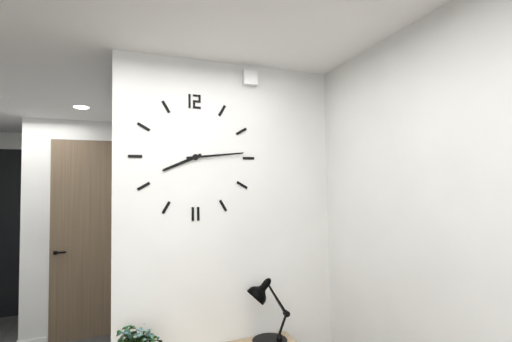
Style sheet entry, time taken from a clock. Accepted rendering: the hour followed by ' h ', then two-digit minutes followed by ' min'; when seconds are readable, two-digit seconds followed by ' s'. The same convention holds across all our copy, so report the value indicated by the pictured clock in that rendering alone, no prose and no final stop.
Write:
8 h 14 min
